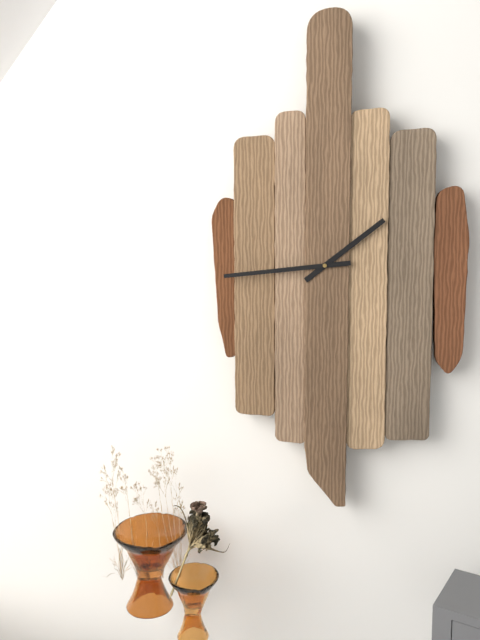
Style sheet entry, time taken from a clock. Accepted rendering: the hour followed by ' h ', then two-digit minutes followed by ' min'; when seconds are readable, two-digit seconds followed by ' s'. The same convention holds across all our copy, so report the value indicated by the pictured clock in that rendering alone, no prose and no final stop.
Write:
1 h 44 min
